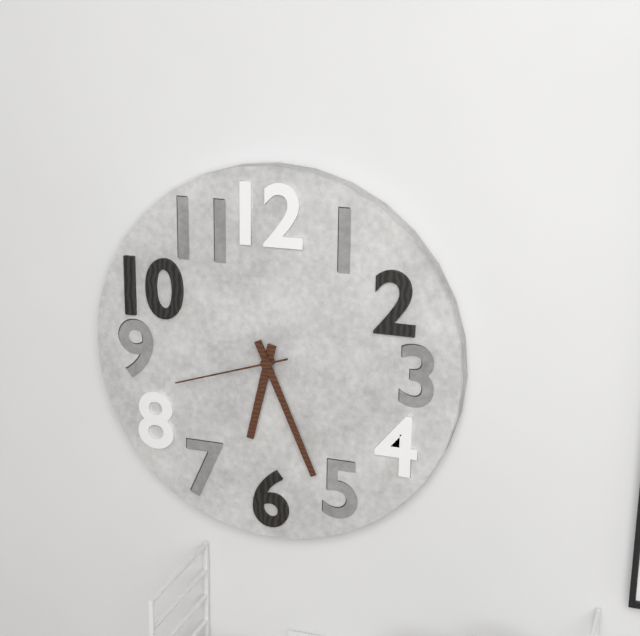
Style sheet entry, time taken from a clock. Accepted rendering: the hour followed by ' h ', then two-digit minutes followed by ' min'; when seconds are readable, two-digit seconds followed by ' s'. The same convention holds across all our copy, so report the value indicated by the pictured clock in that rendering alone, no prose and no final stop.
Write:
6 h 26 min 42 s
